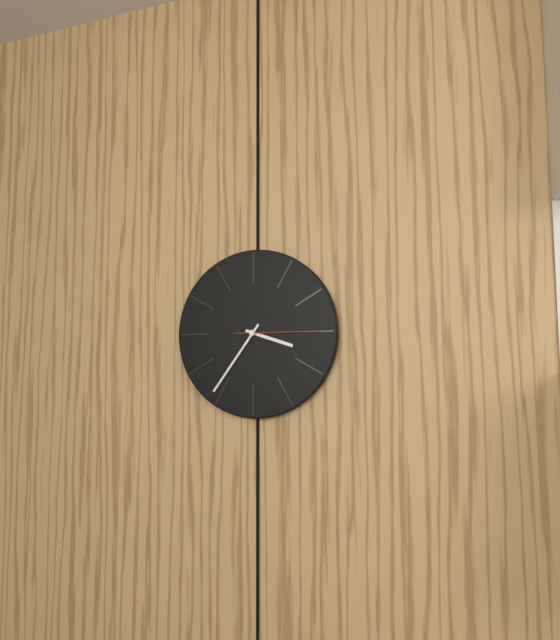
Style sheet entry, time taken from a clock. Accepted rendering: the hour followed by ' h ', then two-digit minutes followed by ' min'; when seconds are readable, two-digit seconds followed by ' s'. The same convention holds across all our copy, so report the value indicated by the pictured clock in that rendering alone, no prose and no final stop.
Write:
3 h 36 min 15 s
